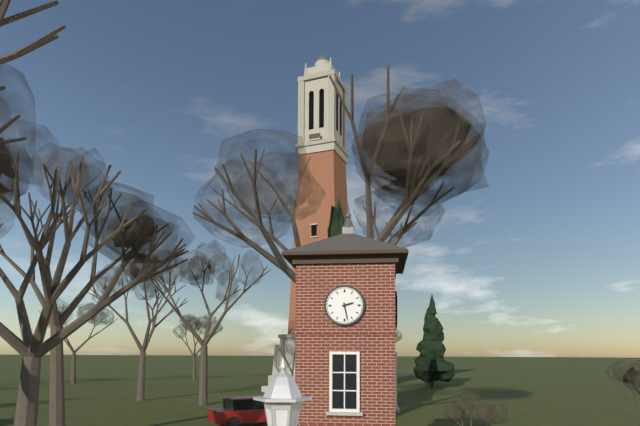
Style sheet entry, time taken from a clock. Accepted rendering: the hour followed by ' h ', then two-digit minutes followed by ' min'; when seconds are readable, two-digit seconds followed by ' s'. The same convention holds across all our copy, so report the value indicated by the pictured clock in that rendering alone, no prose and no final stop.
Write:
2 h 28 min
